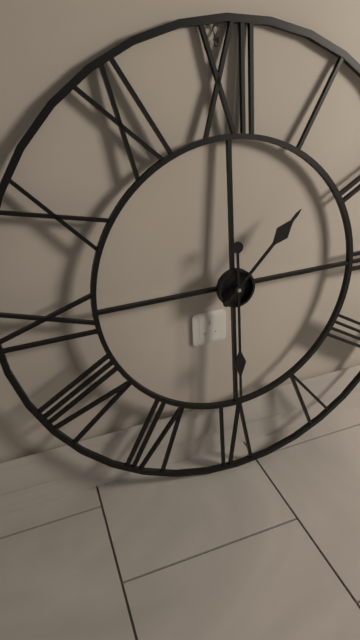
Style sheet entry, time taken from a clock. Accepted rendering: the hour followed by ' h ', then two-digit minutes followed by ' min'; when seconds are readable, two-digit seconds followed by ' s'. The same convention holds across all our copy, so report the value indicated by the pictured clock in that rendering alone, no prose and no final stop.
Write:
1 h 30 min
